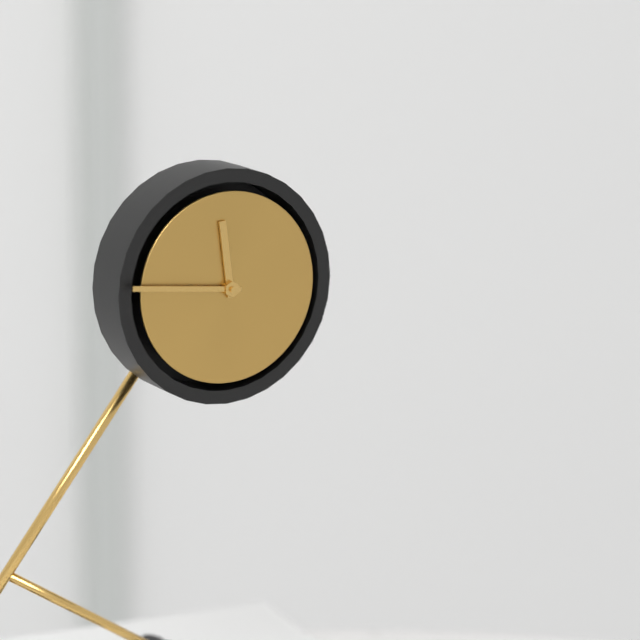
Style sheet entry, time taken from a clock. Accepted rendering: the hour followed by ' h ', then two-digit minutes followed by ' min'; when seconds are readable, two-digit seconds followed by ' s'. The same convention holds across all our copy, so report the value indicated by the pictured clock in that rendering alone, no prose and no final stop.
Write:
11 h 46 min
